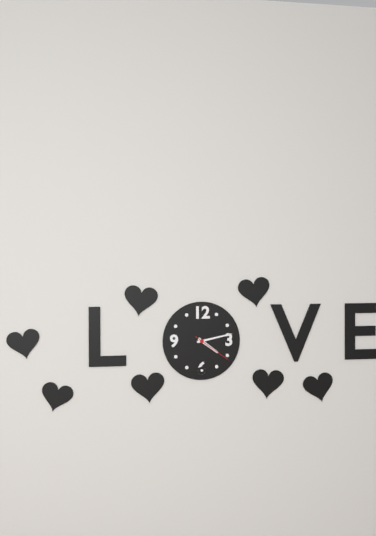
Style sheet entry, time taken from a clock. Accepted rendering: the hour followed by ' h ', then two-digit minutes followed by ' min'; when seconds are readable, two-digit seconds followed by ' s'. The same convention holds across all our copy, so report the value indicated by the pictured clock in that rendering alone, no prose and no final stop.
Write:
4 h 13 min
